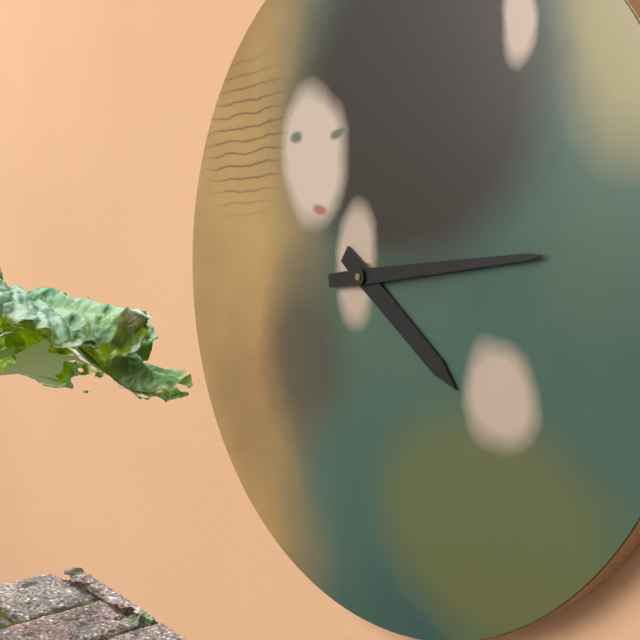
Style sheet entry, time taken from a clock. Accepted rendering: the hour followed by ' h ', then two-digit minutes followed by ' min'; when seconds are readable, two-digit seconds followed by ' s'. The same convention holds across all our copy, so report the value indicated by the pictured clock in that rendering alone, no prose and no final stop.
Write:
4 h 14 min
